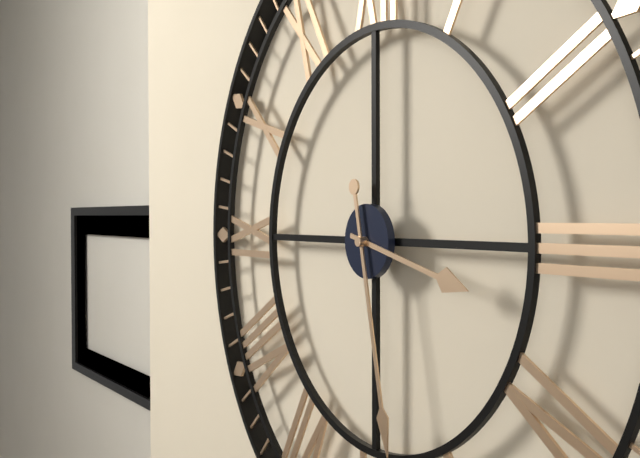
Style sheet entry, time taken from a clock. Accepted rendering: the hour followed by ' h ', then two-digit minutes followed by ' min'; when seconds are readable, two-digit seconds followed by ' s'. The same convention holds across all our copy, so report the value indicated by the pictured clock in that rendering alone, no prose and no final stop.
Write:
3 h 28 min
